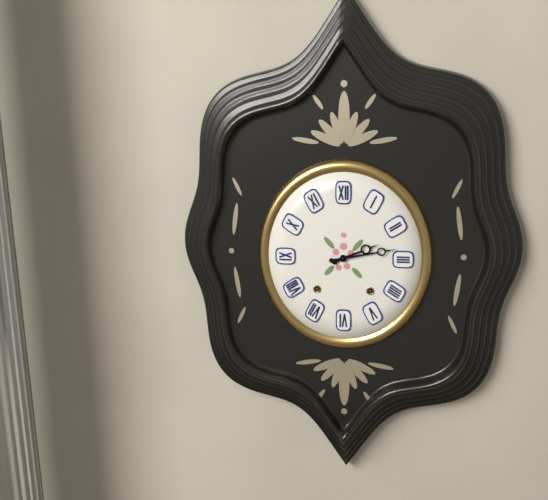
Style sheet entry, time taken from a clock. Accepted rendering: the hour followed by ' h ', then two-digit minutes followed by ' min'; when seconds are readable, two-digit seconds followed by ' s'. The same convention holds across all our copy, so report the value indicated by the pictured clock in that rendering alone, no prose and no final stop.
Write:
2 h 13 min
